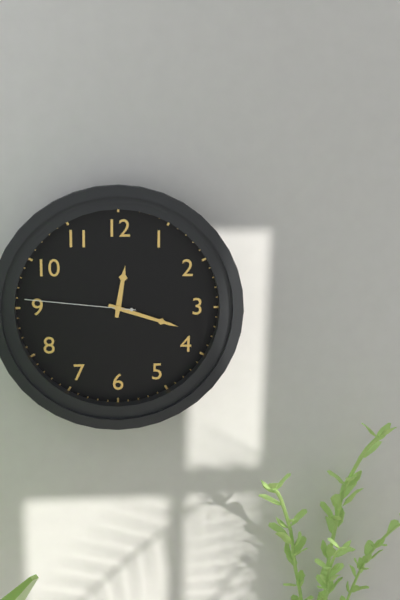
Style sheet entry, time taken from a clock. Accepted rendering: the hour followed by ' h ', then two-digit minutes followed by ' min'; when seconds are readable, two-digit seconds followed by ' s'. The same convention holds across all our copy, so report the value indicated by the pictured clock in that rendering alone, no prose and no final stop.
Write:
12 h 18 min 46 s
